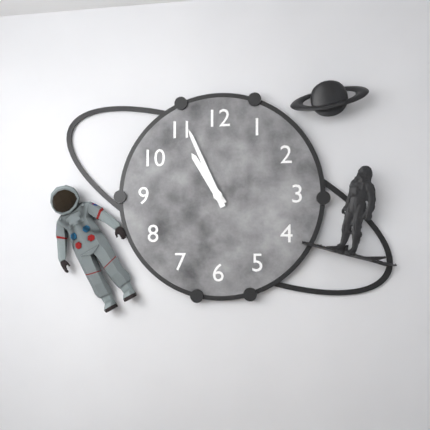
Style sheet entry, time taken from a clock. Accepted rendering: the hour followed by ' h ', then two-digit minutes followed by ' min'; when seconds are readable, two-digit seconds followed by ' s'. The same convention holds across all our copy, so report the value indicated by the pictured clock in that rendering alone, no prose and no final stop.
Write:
10 h 56 min
